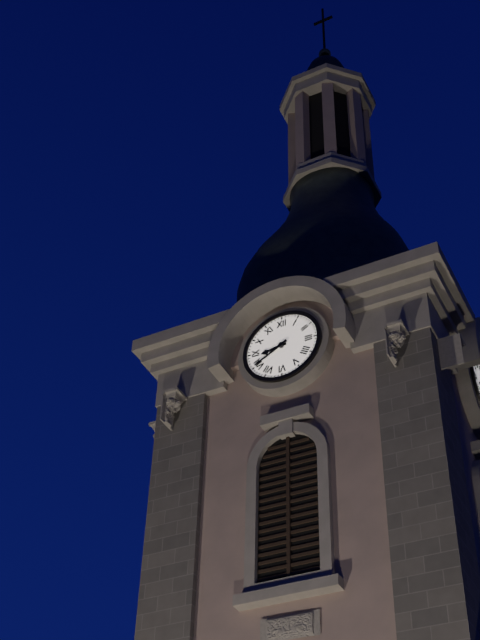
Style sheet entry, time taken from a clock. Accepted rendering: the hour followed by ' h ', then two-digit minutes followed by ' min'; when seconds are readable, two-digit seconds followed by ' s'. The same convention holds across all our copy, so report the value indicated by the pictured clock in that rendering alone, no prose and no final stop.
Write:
8 h 40 min
